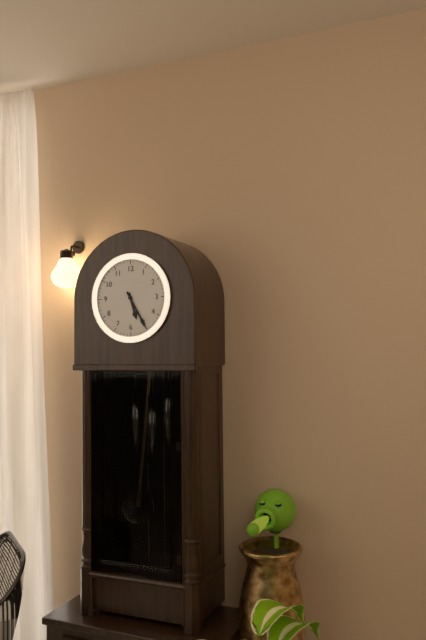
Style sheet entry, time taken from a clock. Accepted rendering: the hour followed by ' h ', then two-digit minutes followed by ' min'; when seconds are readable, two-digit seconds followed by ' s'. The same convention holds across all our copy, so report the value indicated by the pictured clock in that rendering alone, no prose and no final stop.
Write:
5 h 25 min
